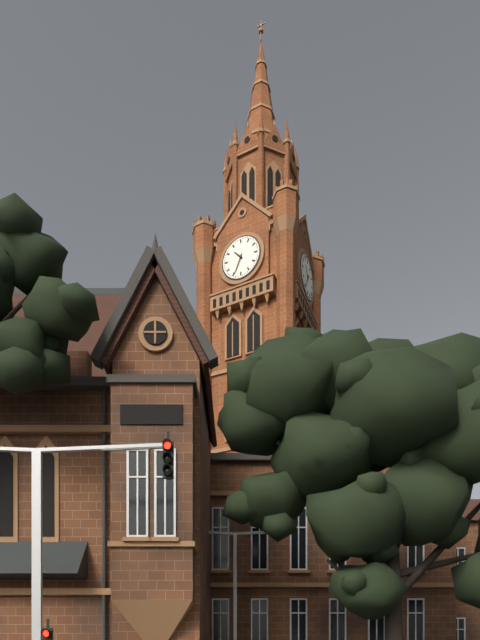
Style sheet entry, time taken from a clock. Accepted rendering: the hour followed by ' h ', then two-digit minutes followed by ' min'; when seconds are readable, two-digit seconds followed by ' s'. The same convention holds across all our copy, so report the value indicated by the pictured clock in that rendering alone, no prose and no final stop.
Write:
10 h 34 min
